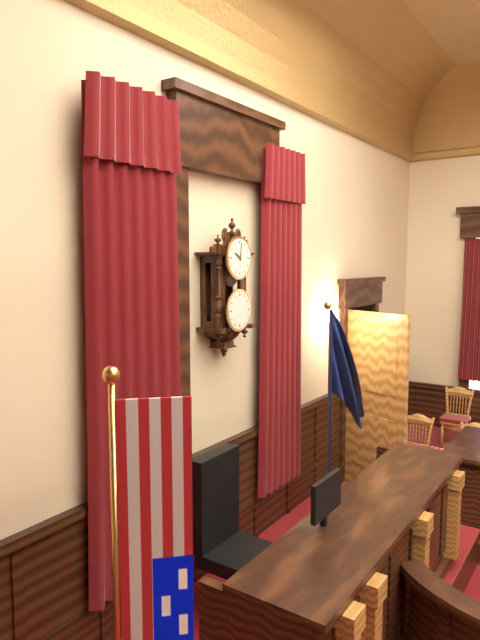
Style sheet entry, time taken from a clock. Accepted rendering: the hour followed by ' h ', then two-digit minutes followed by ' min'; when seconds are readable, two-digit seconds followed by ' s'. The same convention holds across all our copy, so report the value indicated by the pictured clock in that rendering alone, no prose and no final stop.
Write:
10 h 01 min
